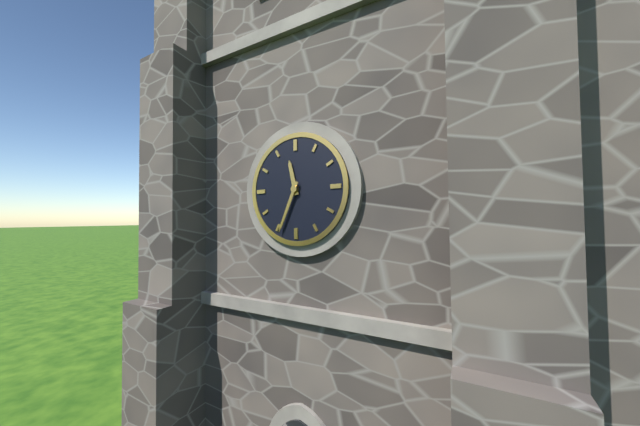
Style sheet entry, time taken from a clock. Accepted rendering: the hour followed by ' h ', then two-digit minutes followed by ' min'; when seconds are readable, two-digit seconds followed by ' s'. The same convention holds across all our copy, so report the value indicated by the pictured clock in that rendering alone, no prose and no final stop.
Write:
11 h 34 min
